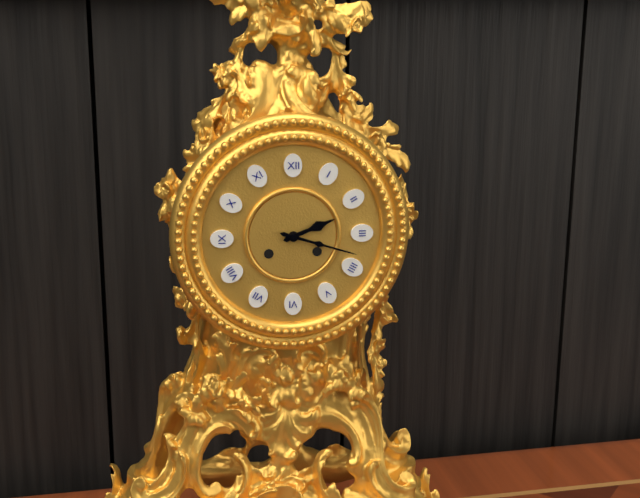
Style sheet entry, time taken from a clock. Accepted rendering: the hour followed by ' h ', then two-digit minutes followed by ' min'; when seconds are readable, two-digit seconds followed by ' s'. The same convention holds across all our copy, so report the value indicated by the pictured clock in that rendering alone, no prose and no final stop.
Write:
2 h 18 min
